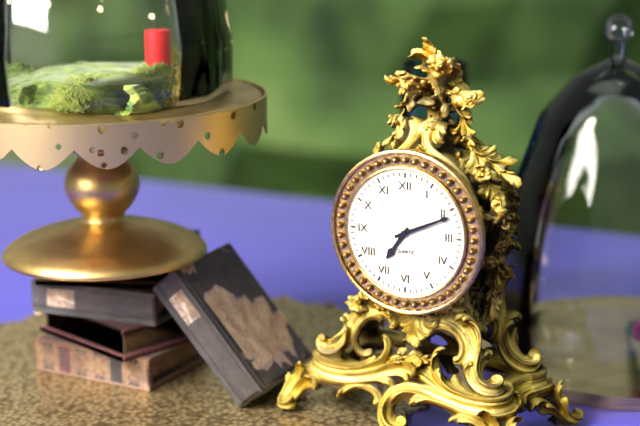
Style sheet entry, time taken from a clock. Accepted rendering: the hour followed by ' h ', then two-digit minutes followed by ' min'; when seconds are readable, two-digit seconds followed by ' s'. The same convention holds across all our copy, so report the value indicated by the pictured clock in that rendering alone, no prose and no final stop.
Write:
7 h 11 min
